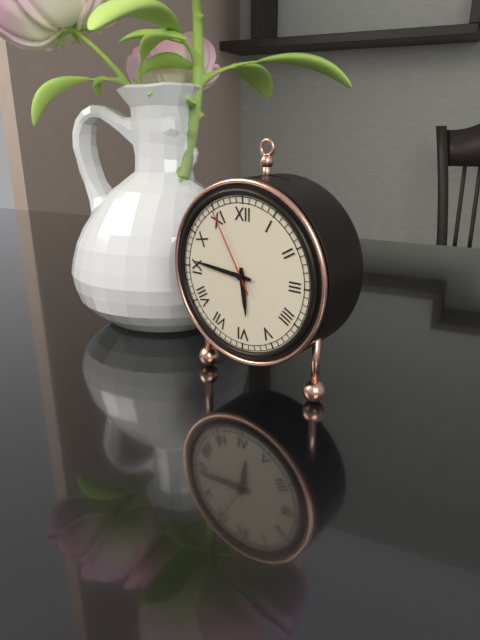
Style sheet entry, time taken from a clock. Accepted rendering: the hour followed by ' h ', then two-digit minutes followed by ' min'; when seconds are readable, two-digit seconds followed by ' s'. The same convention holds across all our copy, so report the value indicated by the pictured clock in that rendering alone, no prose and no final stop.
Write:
5 h 46 min 55 s
